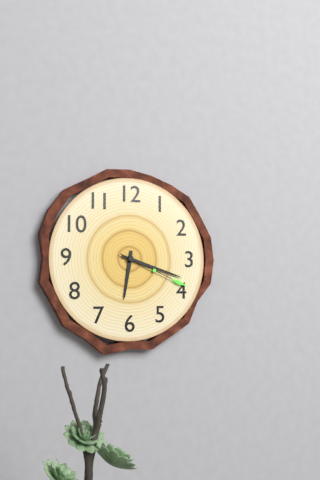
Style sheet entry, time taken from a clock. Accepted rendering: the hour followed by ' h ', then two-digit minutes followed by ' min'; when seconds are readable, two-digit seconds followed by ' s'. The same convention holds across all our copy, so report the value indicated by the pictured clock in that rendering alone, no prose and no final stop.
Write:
6 h 18 min 19 s
